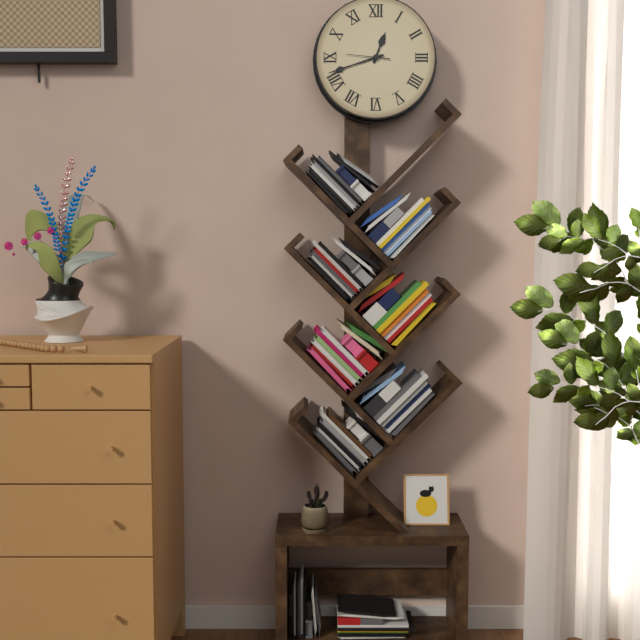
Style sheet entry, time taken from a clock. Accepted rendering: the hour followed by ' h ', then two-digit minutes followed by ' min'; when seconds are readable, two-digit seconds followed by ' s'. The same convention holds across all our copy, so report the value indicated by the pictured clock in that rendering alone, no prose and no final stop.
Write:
12 h 42 min
